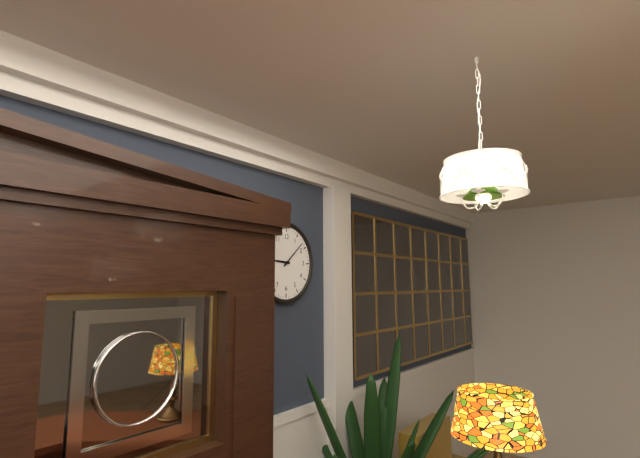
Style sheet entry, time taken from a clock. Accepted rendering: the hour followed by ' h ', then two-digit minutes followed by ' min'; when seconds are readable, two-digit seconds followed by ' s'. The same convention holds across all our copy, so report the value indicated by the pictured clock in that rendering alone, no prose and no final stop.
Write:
9 h 08 min
